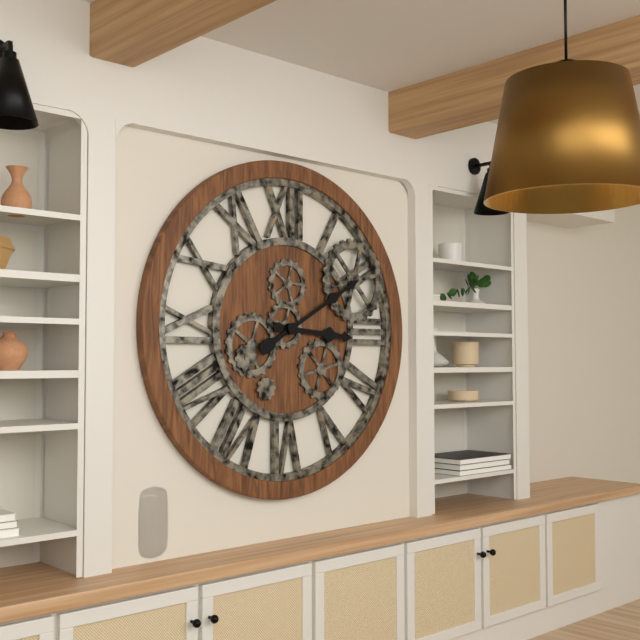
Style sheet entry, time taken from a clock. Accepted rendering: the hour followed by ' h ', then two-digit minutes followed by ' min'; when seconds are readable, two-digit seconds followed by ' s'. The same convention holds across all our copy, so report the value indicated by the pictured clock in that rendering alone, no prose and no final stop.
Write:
3 h 10 min
